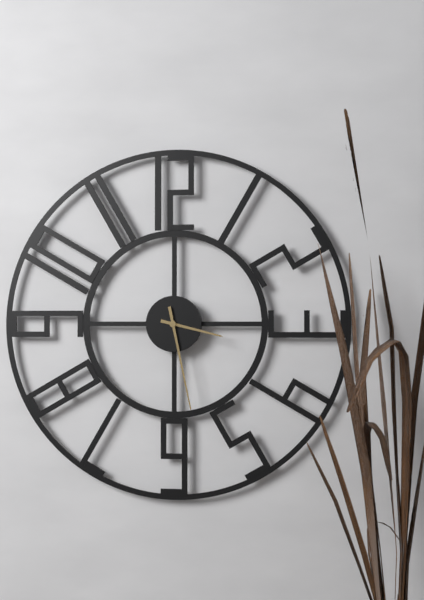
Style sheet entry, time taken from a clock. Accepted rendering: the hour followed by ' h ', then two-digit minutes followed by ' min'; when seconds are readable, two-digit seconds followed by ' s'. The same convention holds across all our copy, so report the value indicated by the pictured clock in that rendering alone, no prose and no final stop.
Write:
3 h 28 min
